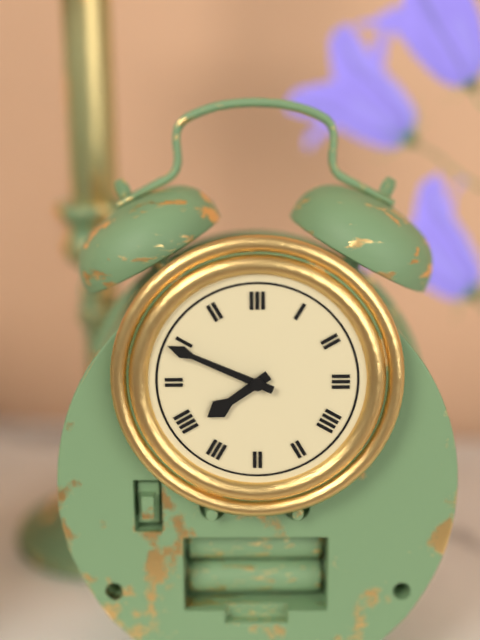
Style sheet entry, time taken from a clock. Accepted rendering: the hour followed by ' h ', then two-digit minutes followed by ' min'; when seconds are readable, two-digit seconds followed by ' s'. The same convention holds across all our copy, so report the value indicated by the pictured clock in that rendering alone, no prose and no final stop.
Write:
7 h 49 min
